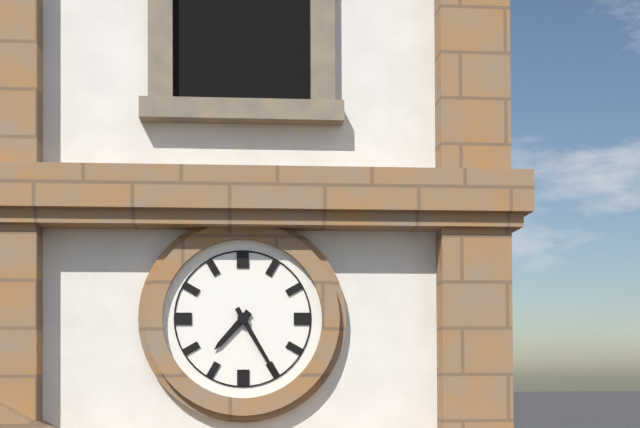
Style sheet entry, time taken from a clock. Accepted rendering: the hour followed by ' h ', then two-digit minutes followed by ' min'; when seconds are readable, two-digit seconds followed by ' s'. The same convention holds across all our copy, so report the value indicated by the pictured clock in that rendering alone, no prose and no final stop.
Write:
7 h 25 min
